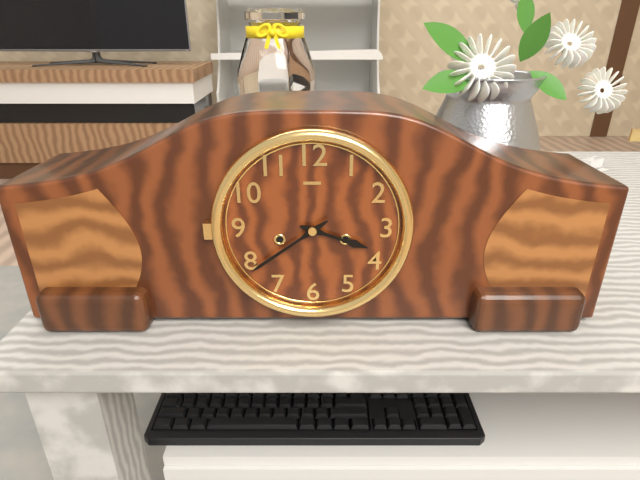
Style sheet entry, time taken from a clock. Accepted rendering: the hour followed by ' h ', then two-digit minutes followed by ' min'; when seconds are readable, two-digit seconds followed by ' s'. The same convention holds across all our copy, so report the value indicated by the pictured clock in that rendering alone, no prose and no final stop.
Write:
3 h 39 min
